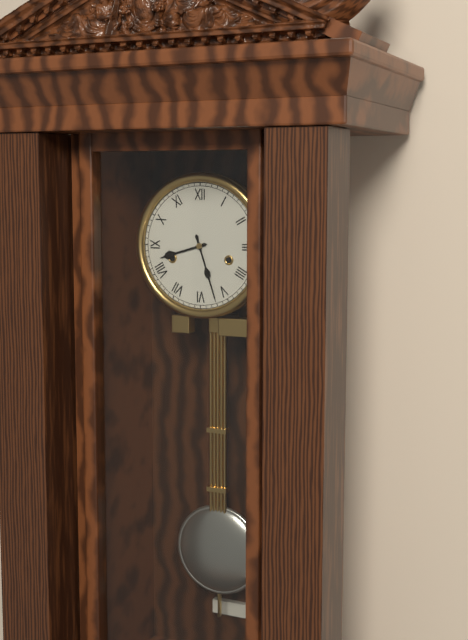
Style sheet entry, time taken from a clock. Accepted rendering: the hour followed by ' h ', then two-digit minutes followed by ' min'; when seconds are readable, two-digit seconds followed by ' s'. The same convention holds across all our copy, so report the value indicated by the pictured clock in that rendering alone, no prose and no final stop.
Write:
8 h 27 min
